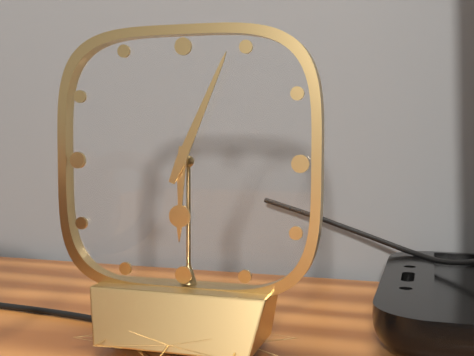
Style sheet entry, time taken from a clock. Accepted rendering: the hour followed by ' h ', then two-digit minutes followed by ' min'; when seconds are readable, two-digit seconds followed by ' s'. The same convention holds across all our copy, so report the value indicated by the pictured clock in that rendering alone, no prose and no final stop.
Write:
6 h 04 min
